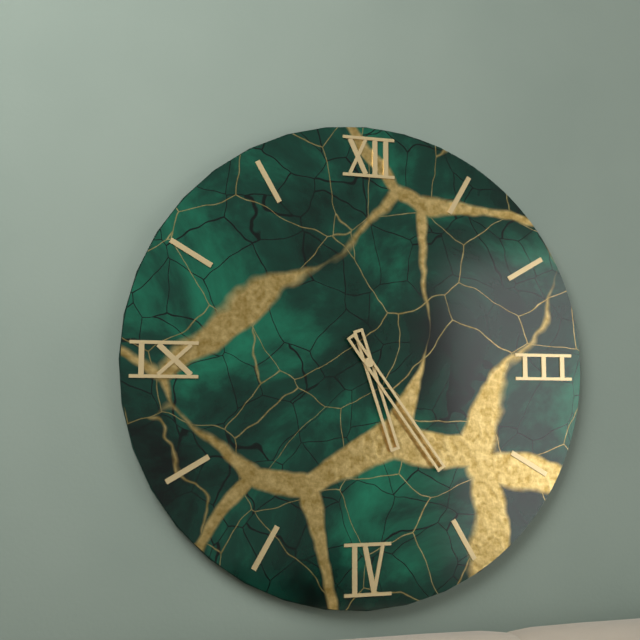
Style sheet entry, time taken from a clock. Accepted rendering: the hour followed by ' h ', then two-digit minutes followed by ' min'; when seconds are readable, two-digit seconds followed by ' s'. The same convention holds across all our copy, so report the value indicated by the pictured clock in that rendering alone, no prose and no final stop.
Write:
5 h 24 min
